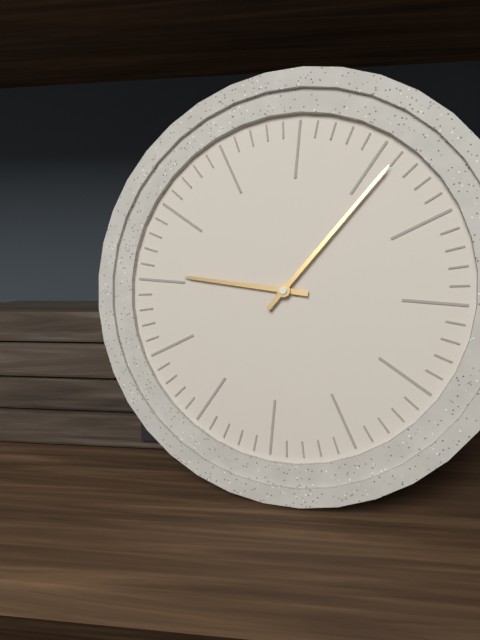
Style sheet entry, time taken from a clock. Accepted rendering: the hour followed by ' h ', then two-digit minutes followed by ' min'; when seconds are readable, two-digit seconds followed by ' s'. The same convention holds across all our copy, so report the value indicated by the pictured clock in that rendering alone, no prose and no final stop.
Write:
9 h 06 min
